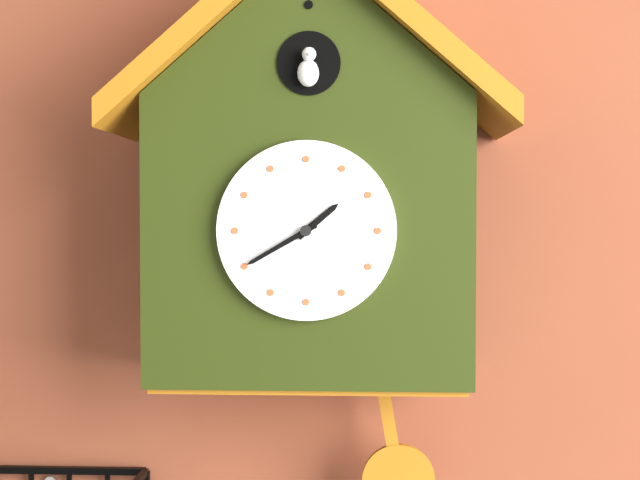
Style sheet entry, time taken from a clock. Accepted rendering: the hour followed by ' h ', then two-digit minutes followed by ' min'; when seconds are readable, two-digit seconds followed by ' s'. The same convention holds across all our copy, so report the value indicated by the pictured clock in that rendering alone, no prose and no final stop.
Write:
1 h 40 min
